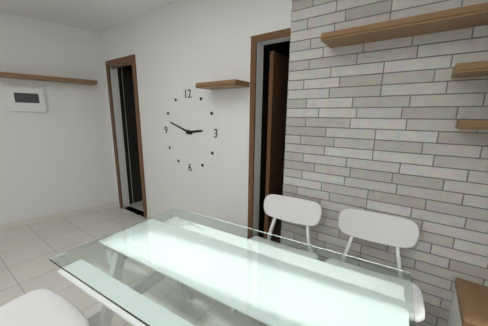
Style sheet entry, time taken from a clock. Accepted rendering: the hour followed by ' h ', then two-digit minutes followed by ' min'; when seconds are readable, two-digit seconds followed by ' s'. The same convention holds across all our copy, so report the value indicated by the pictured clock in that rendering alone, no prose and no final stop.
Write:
2 h 48 min
